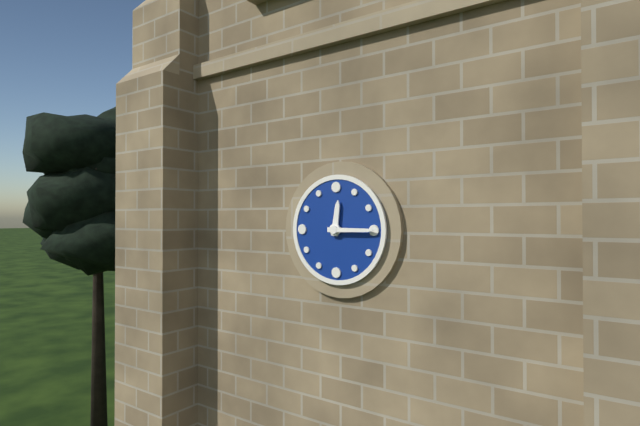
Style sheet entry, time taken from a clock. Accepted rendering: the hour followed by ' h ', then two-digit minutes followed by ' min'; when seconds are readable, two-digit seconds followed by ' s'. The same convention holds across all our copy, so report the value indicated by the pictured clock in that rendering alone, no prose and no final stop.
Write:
12 h 15 min
